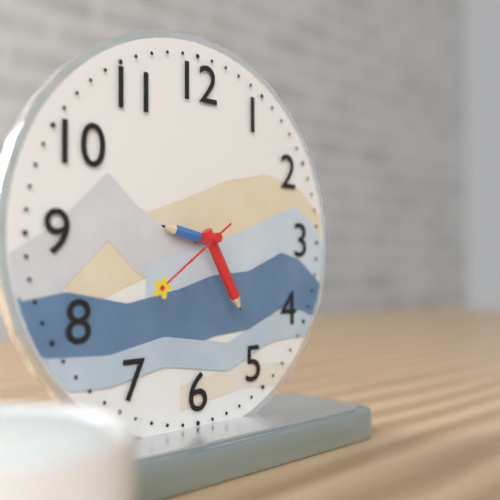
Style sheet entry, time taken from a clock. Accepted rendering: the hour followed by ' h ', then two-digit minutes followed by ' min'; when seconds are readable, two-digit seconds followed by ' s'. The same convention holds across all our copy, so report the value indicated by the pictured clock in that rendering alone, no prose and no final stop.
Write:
9 h 25 min 39 s
